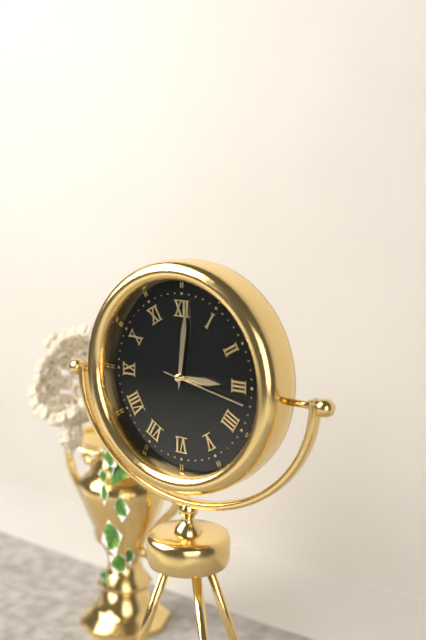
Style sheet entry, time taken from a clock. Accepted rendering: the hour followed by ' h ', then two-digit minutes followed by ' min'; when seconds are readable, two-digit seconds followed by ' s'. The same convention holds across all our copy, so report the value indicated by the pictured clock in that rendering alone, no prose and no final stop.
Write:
3 h 01 min 17 s
